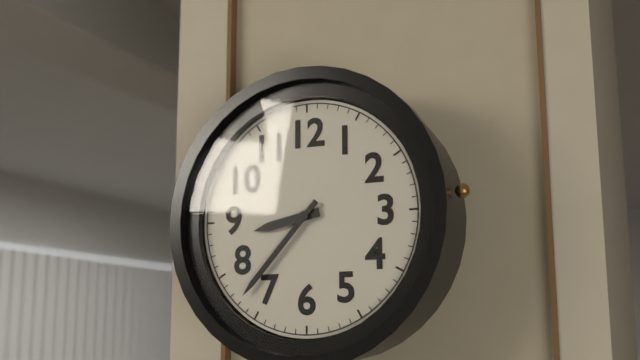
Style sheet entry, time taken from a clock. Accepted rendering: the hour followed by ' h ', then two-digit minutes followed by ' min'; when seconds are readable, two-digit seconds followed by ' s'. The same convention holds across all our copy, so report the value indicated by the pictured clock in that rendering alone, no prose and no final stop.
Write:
8 h 37 min
